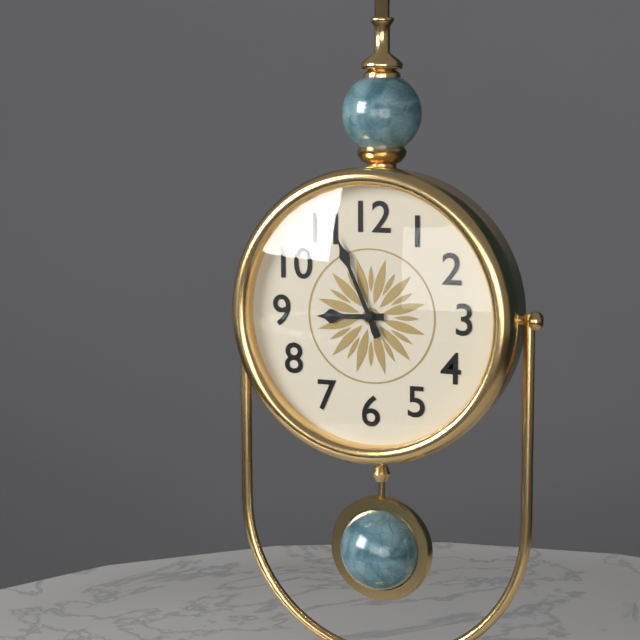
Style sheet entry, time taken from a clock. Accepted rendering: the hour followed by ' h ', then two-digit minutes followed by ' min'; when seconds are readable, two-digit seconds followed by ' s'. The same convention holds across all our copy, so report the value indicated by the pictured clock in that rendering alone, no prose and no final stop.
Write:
8 h 56 min
